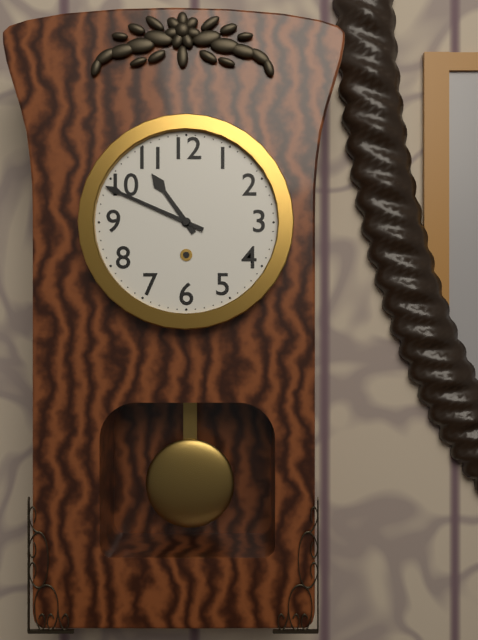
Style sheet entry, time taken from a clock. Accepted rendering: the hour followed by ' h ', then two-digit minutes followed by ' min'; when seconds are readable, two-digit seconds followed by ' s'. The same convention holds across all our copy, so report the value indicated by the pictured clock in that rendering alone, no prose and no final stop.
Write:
10 h 49 min
